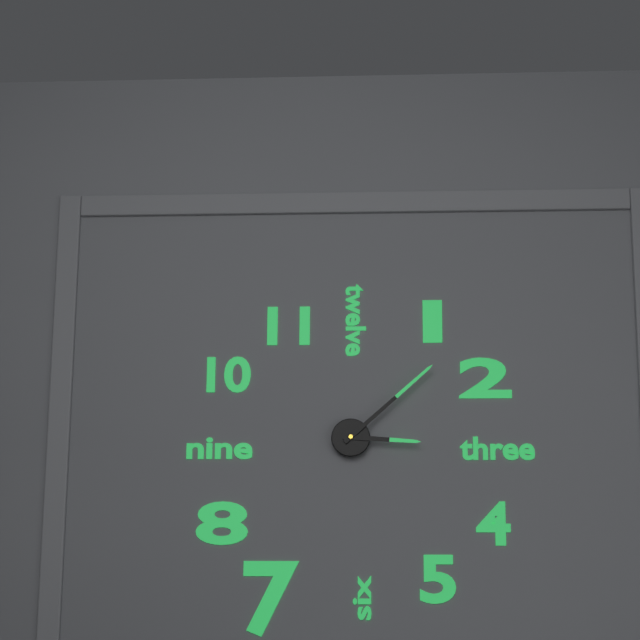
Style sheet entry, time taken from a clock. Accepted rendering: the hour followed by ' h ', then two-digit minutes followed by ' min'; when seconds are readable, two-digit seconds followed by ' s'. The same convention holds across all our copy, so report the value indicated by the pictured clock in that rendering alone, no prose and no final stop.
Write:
3 h 08 min
